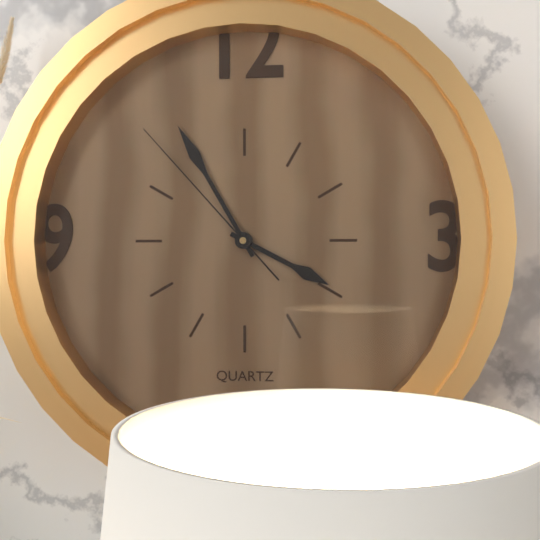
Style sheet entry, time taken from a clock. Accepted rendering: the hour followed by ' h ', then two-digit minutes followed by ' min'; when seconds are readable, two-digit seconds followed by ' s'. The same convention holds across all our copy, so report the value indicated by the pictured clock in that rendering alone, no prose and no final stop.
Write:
3 h 55 min 53 s
